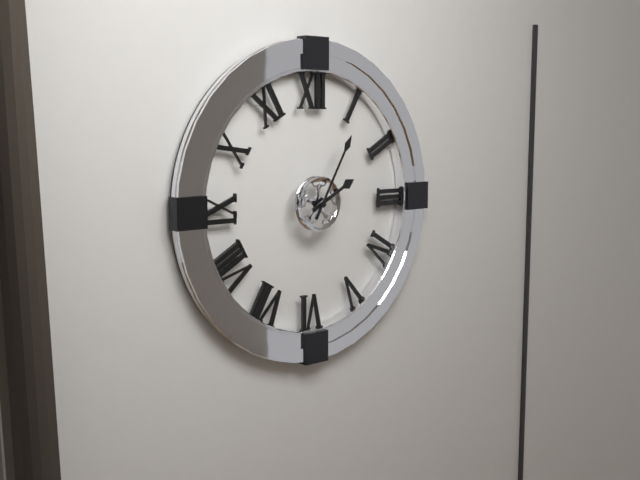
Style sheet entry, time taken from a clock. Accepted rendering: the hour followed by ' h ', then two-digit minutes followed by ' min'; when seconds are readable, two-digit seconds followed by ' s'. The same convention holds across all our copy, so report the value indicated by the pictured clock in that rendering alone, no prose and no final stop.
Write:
2 h 05 min
